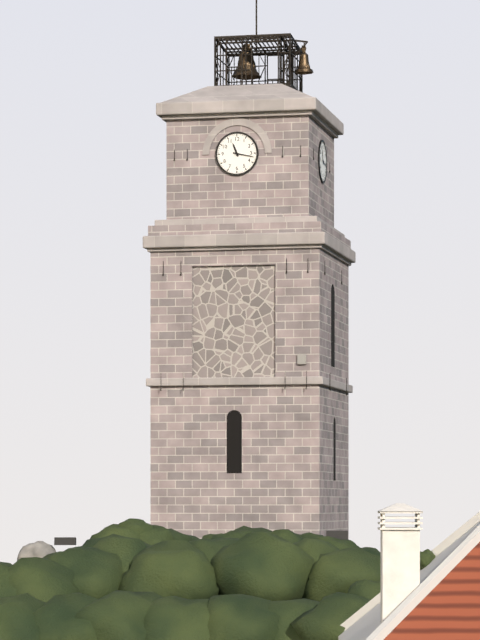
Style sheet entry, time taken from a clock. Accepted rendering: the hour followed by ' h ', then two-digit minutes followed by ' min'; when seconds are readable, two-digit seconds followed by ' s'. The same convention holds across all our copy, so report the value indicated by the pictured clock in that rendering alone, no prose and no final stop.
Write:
11 h 17 min
